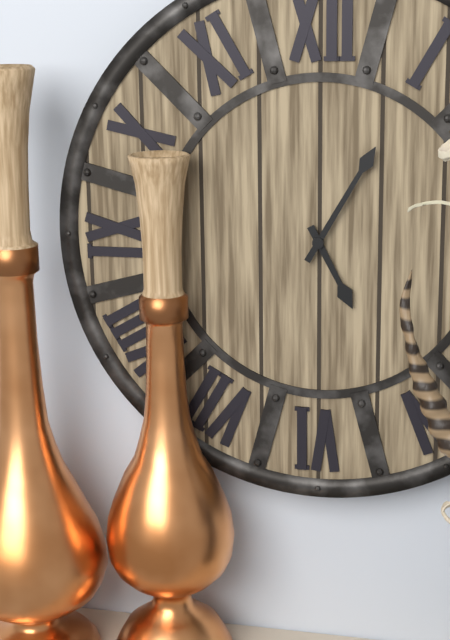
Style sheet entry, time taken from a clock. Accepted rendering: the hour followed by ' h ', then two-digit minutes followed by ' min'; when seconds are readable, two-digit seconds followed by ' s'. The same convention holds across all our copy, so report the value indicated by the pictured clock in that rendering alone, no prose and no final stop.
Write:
5 h 05 min
